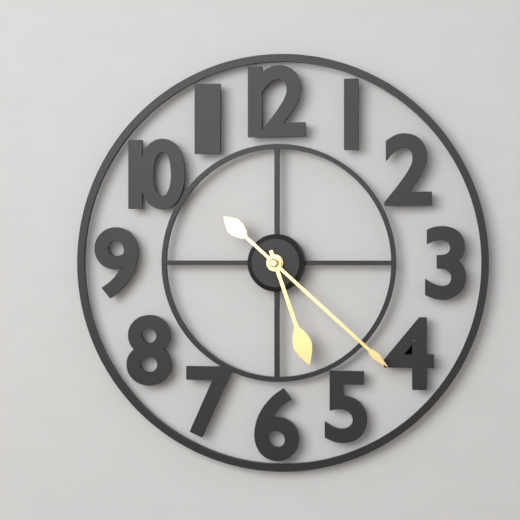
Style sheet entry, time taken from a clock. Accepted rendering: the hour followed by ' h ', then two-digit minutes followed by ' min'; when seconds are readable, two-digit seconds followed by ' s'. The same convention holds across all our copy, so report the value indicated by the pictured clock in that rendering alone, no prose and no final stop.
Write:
5 h 22 min
